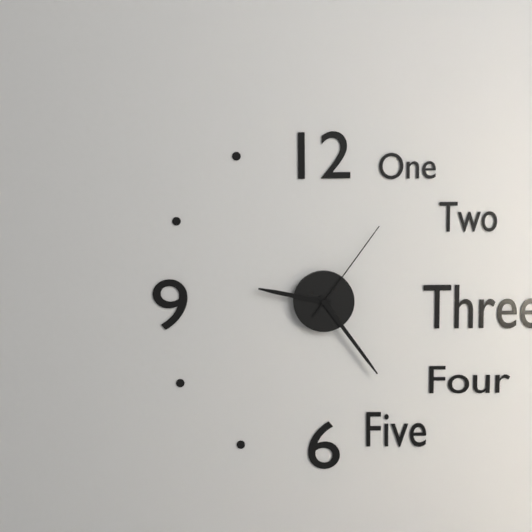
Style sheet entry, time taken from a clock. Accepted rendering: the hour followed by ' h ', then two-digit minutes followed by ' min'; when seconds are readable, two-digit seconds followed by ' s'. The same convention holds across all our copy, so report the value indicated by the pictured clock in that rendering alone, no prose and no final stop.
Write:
9 h 24 min 06 s
